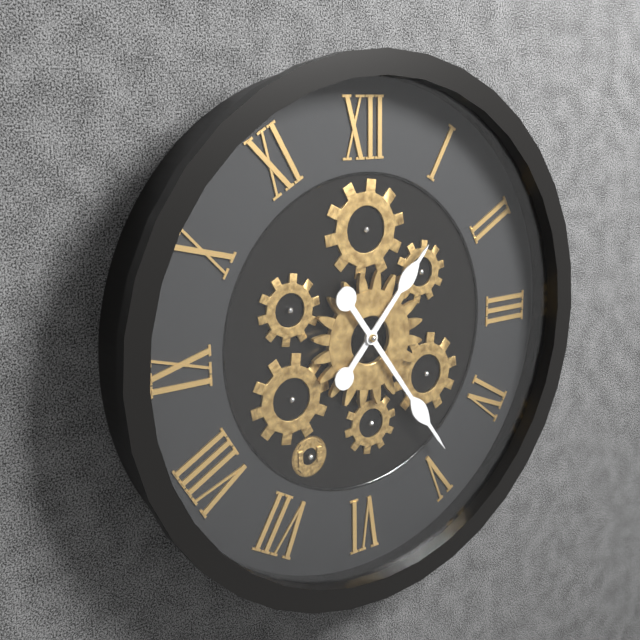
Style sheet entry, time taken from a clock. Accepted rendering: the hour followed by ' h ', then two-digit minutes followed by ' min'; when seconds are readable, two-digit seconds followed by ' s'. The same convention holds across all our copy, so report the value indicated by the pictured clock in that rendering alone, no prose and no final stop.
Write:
1 h 24 min
